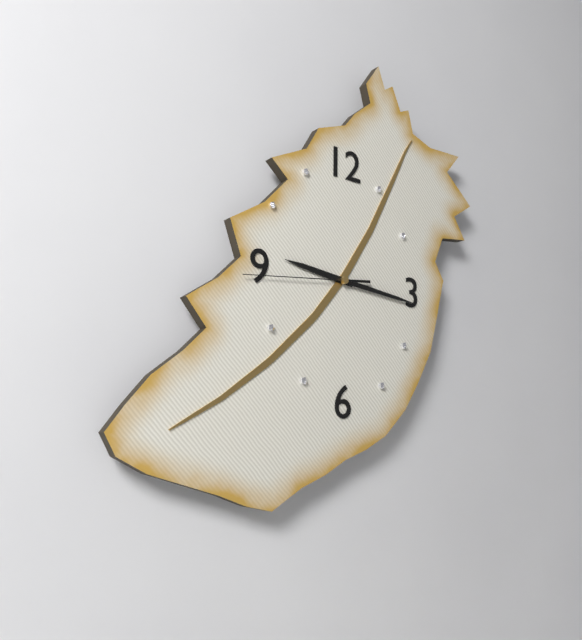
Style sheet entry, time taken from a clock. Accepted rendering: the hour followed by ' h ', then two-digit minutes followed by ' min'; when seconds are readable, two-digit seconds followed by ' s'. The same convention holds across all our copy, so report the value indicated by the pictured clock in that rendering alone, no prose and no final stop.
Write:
9 h 16 min 44 s
